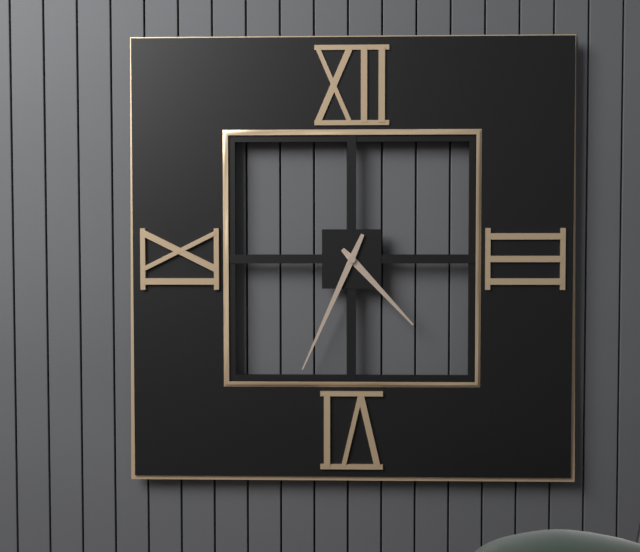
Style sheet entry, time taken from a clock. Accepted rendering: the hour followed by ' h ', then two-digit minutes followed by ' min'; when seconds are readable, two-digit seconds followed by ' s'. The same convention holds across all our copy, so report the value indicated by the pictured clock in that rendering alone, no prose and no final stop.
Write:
4 h 34 min
